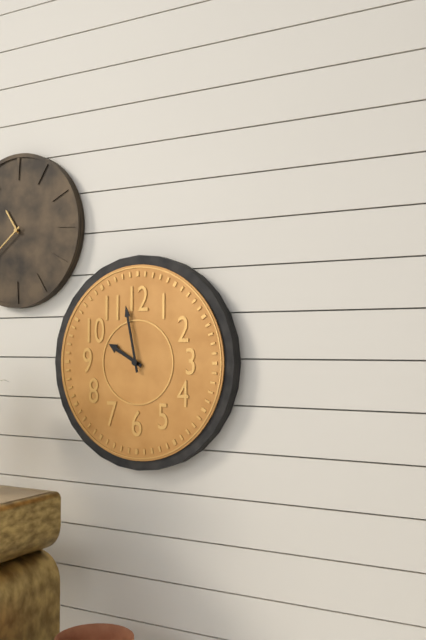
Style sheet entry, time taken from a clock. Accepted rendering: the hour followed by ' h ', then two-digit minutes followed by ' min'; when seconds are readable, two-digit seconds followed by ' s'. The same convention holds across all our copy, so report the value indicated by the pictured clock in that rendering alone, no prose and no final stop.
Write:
9 h 58 min
